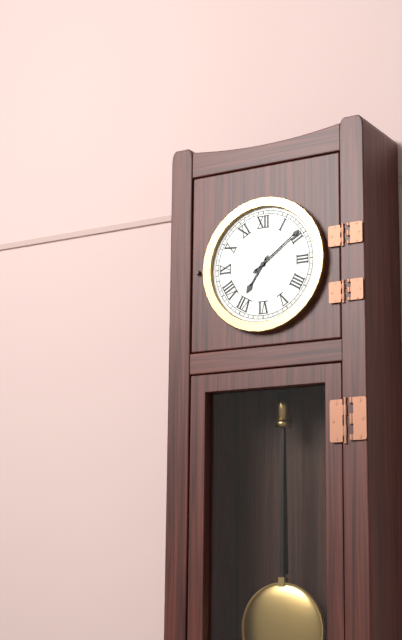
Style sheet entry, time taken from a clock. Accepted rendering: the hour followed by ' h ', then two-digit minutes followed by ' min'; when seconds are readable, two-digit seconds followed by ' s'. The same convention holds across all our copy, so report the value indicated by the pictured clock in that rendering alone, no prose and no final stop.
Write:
7 h 09 min
